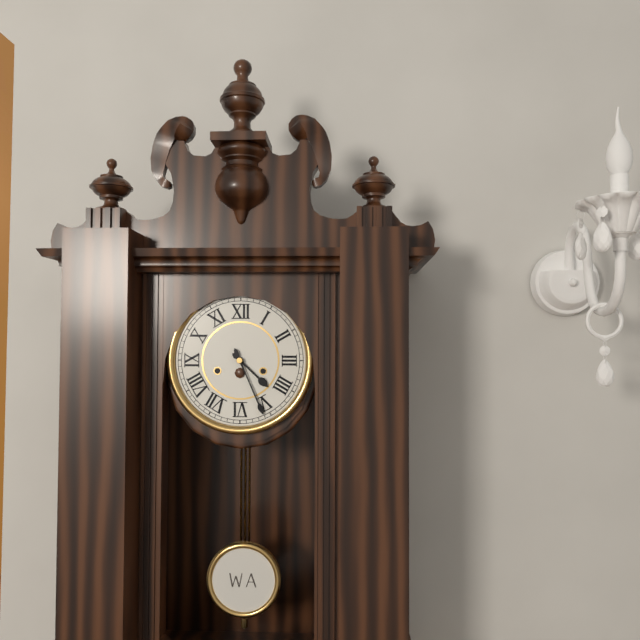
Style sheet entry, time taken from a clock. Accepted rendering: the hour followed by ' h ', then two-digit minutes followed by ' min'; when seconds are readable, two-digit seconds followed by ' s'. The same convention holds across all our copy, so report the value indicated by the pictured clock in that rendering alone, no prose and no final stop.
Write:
4 h 26 min
